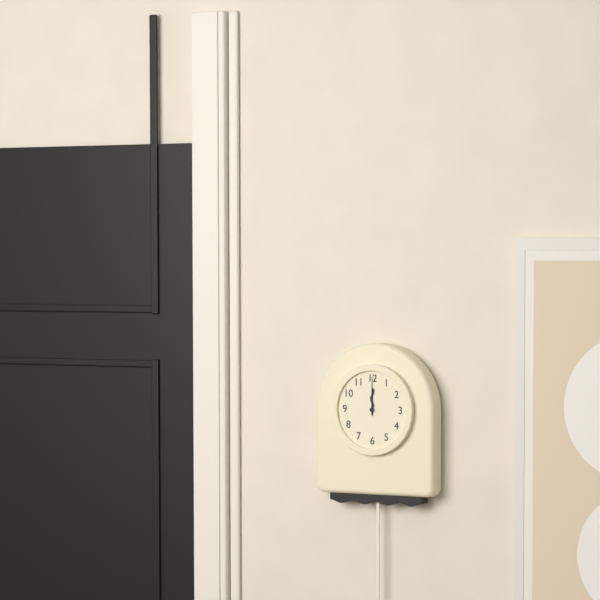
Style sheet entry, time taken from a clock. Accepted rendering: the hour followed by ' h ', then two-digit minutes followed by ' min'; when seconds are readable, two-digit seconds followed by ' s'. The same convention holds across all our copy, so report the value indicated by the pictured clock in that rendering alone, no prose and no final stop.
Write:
12 h 00 min
